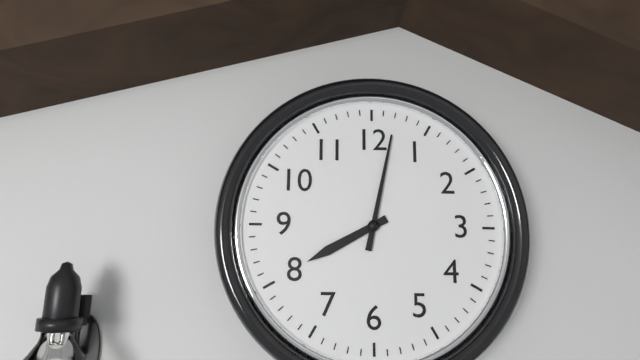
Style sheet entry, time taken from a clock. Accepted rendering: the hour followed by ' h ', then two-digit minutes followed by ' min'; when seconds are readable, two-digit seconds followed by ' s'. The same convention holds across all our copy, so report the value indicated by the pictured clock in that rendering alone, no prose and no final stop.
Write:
8 h 02 min
